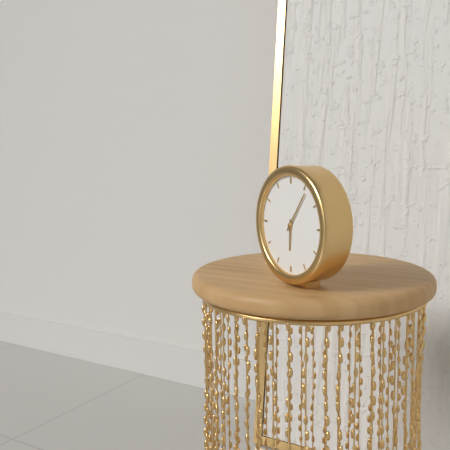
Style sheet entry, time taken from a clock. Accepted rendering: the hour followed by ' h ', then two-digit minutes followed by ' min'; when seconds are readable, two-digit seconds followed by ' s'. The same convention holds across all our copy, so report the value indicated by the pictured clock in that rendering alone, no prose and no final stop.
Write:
6 h 06 min
